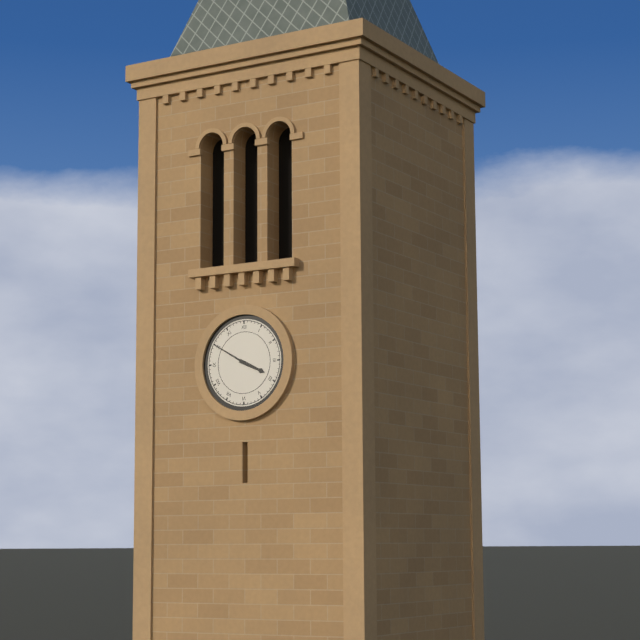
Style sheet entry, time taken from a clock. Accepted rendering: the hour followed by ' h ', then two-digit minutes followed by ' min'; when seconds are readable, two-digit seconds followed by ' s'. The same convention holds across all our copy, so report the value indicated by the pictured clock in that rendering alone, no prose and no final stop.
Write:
3 h 50 min
